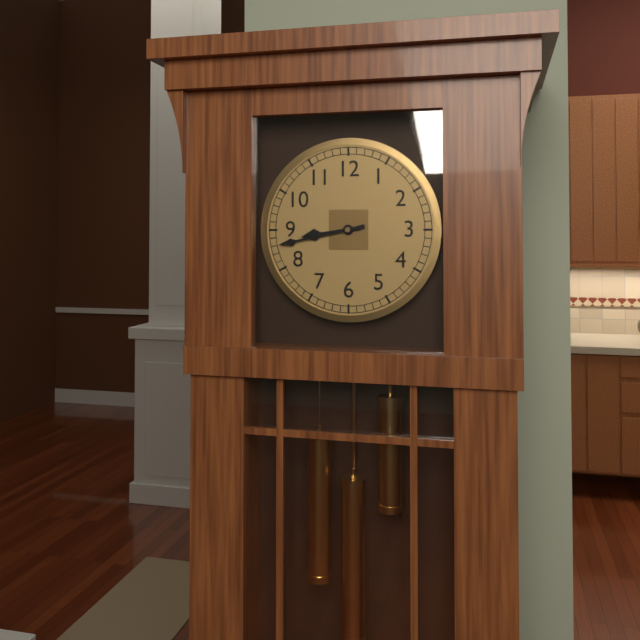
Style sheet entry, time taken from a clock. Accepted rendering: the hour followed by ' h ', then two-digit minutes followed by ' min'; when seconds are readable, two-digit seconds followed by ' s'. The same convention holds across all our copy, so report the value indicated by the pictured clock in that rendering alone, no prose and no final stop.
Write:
8 h 43 min
